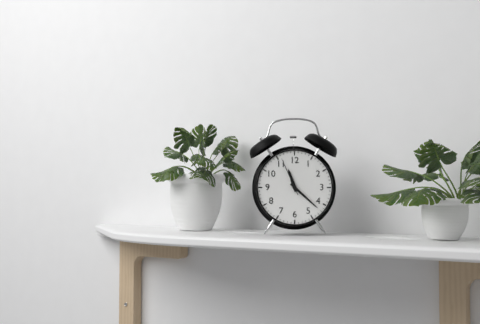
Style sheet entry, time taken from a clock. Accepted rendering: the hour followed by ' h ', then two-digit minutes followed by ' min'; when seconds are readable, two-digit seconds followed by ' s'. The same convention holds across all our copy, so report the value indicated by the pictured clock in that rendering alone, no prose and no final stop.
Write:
11 h 22 min
